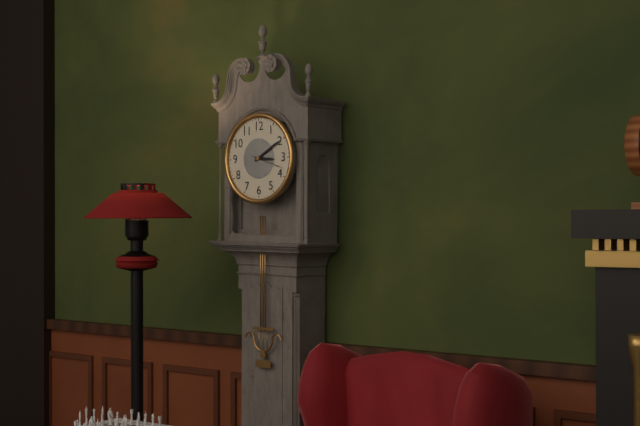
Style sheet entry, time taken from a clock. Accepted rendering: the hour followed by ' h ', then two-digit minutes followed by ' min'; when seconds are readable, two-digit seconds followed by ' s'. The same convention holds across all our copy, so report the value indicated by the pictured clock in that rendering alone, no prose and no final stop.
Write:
3 h 10 min
